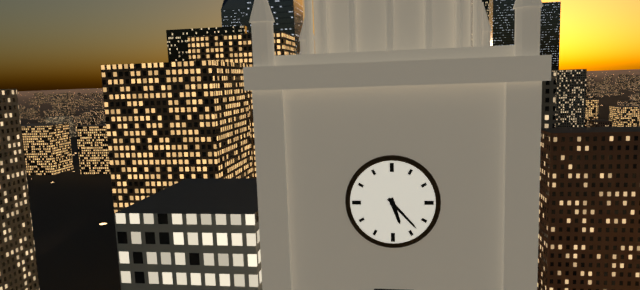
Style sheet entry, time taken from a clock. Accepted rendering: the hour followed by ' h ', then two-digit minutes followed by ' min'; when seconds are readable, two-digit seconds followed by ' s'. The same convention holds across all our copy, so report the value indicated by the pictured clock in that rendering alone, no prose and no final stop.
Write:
5 h 23 min
